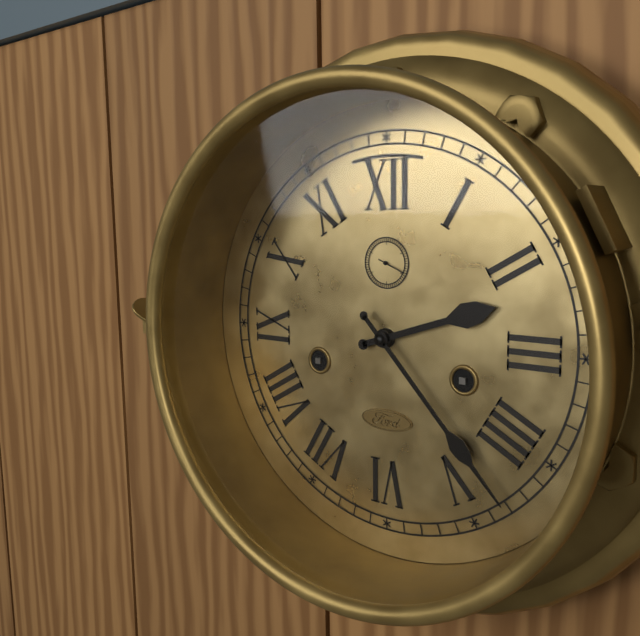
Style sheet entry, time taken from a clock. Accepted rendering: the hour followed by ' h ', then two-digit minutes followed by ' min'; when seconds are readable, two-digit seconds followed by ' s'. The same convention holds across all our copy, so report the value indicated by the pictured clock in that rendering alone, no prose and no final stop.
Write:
2 h 23 min
